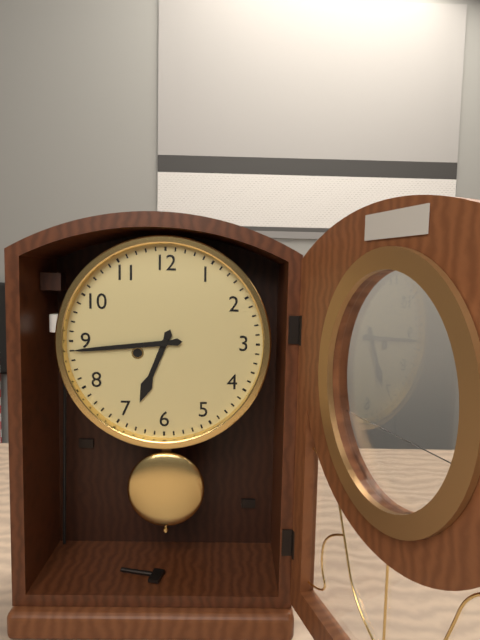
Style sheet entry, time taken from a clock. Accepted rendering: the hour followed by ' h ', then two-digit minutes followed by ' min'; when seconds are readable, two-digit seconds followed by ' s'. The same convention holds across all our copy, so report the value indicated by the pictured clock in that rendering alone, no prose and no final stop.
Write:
6 h 44 min
